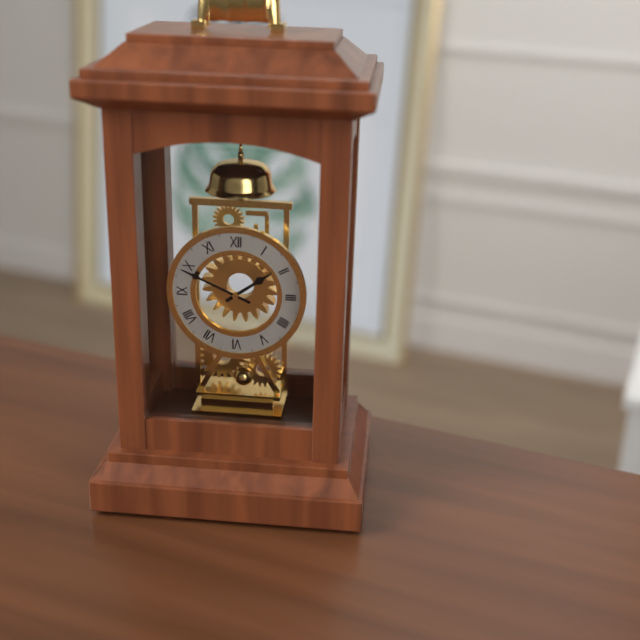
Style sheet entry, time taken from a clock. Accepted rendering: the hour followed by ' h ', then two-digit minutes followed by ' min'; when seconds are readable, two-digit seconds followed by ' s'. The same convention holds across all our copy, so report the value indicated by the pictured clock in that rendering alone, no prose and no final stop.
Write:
1 h 49 min
